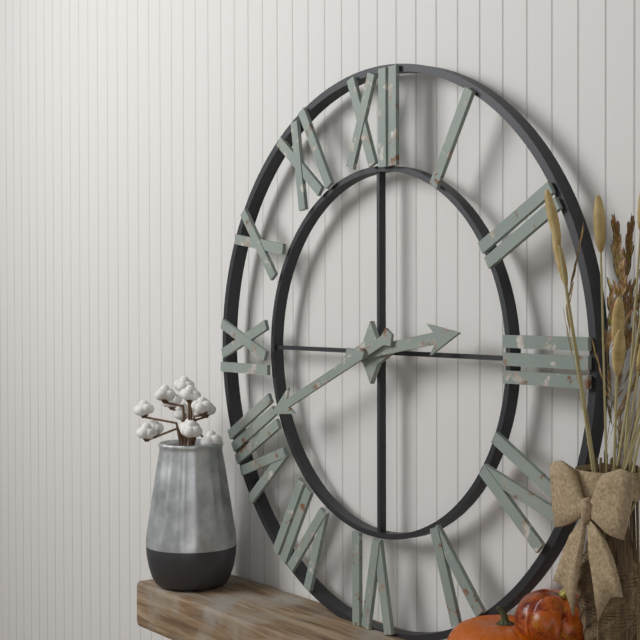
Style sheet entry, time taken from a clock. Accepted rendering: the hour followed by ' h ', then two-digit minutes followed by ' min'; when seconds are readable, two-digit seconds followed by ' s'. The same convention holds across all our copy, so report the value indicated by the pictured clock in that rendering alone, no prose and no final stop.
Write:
2 h 41 min
